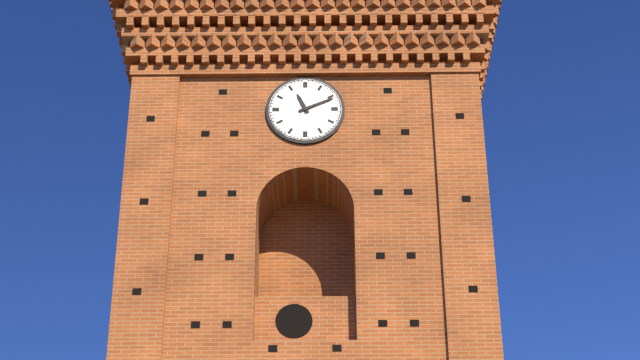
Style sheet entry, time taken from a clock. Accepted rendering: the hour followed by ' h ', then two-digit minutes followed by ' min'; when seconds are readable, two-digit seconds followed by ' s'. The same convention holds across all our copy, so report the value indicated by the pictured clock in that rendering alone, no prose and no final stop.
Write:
11 h 11 min
